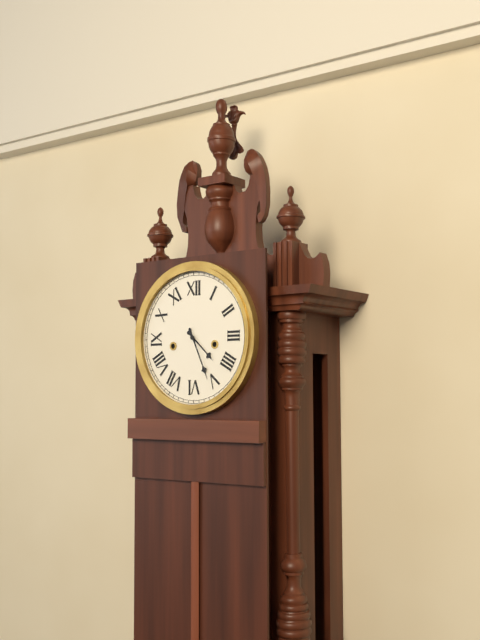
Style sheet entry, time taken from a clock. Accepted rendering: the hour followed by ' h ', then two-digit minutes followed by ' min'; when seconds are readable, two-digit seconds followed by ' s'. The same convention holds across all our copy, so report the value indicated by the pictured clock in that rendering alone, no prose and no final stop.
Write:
4 h 26 min
